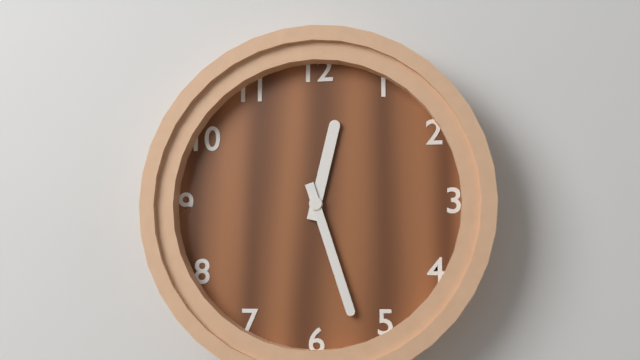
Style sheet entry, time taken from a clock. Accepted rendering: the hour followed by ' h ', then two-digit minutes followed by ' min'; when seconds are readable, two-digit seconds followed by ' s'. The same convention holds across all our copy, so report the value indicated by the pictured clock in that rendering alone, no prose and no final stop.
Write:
12 h 27 min
